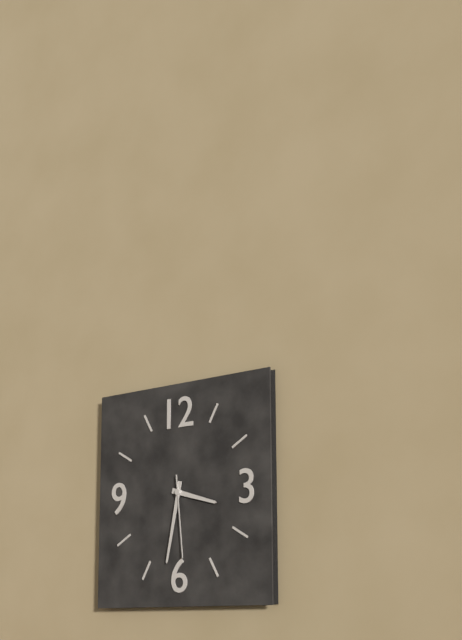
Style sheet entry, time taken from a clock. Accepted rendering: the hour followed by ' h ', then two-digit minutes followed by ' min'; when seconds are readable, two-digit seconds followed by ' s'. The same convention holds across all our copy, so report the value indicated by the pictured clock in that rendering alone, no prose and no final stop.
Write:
3 h 32 min 29 s
